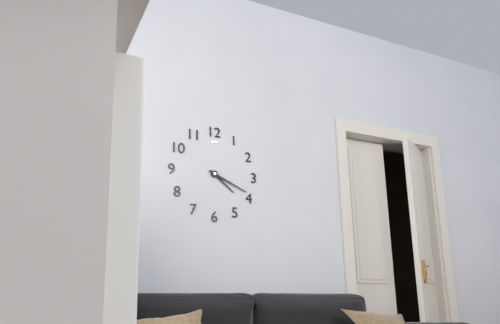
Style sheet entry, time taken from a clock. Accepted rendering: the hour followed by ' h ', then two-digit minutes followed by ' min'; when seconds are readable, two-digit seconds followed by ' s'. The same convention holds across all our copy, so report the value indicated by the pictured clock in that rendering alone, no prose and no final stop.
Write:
4 h 19 min
